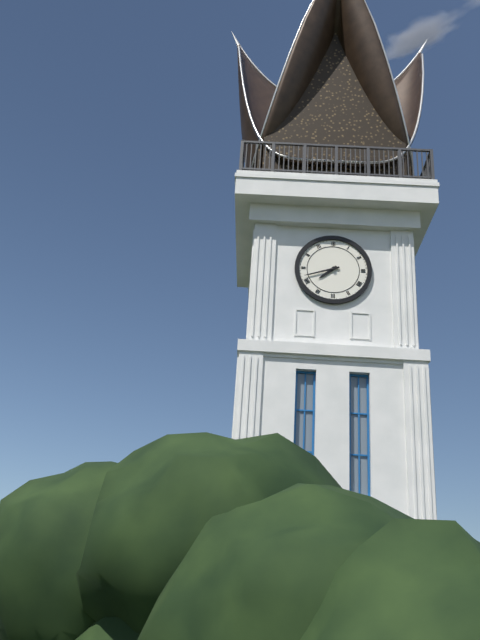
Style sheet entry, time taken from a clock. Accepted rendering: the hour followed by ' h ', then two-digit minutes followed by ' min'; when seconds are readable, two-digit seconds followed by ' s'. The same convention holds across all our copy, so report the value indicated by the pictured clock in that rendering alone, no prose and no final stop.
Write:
7 h 42 min
